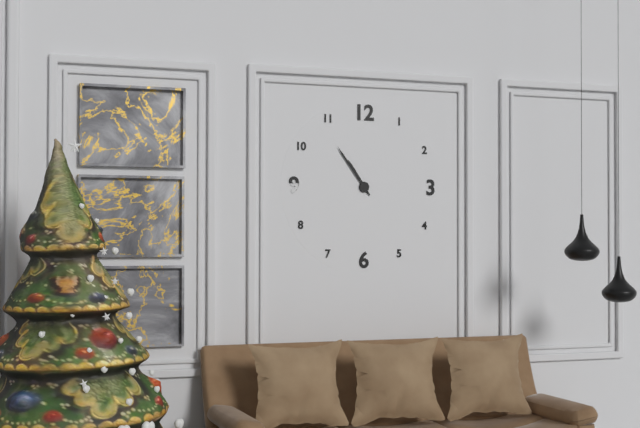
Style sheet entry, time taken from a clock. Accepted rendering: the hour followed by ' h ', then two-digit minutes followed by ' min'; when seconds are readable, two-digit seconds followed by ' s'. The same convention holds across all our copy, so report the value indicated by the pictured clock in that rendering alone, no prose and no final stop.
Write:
10 h 54 min
